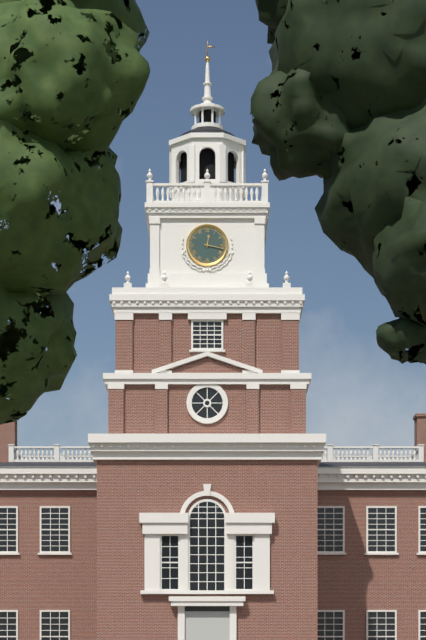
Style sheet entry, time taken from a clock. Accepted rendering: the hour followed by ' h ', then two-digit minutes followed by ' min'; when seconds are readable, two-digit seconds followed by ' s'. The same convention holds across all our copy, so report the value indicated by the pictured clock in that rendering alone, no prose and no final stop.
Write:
12 h 17 min
